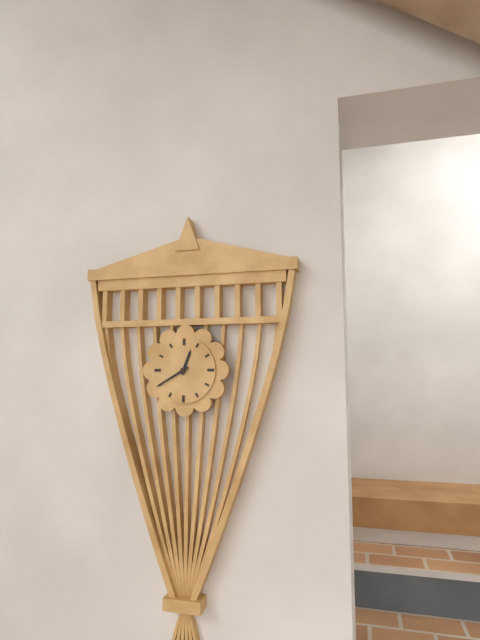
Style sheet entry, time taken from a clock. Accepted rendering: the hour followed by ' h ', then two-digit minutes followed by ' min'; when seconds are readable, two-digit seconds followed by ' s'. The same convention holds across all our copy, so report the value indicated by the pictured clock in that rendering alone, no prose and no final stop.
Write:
12 h 40 min
